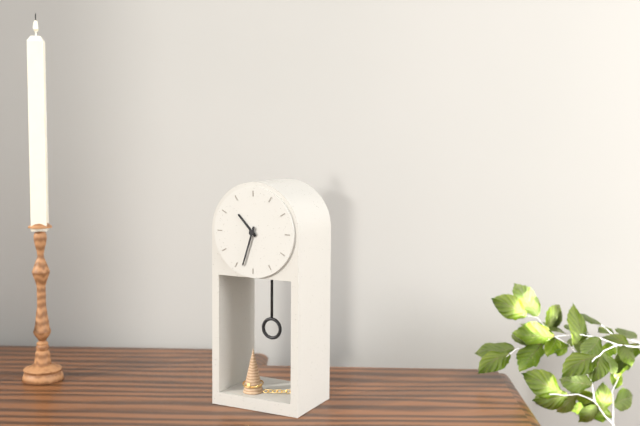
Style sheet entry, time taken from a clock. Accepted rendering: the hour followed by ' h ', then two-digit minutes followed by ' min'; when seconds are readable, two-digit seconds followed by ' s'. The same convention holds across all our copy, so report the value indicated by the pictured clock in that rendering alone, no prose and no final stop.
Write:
10 h 33 min
